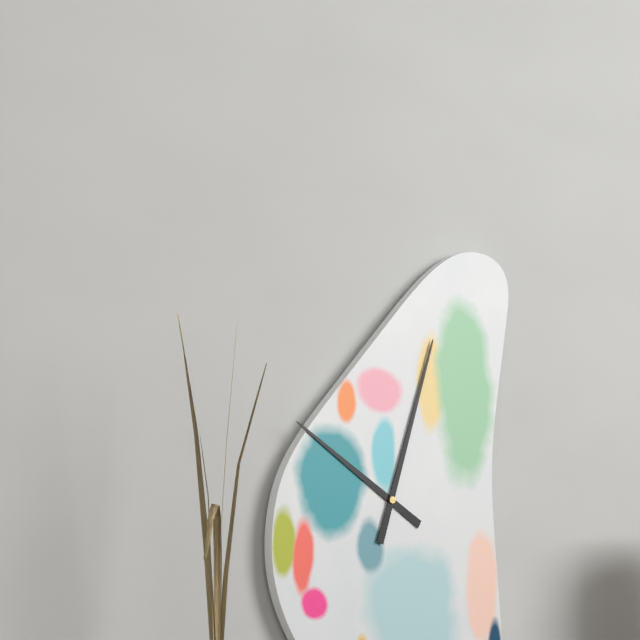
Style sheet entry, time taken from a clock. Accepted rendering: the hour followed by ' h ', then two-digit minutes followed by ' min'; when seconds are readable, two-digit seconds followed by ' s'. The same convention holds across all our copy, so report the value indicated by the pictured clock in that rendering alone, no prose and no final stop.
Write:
10 h 03 min
